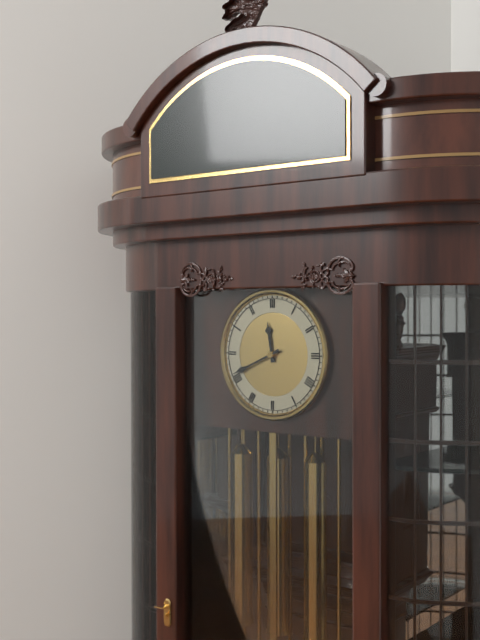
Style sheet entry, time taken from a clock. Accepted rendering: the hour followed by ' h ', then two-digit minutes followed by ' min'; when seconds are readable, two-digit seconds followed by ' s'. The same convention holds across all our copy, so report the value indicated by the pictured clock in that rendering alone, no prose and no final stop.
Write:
11 h 41 min
